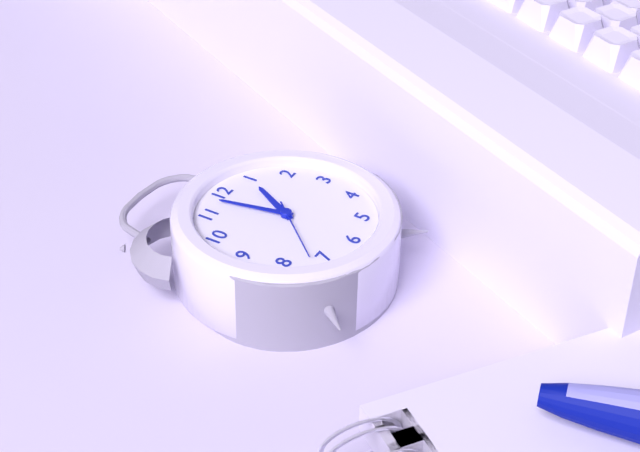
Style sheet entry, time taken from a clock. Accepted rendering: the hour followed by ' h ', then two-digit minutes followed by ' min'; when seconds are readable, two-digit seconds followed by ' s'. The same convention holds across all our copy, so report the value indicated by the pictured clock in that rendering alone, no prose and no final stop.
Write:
12 h 58 min 37 s
